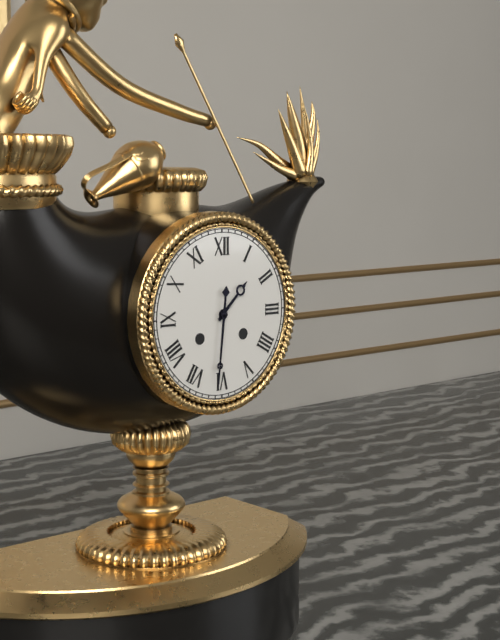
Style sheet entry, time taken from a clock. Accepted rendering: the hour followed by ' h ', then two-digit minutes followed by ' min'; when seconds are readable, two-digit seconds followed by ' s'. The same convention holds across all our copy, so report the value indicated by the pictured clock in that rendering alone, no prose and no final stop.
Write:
1 h 31 min
